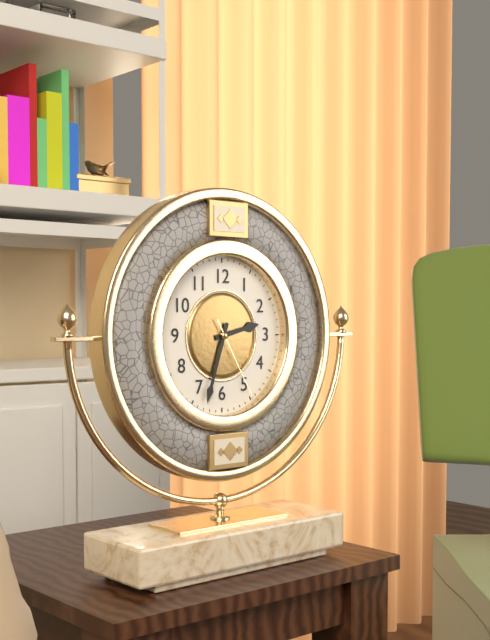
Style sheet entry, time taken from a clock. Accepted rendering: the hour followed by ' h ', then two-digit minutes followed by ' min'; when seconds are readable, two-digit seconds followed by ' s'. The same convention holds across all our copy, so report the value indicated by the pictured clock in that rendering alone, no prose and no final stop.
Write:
2 h 33 min 25 s
